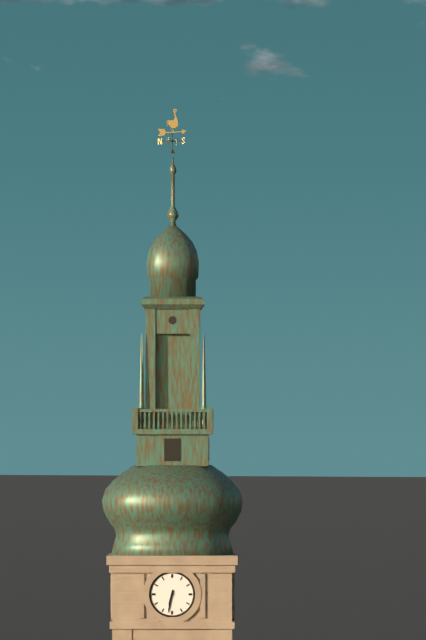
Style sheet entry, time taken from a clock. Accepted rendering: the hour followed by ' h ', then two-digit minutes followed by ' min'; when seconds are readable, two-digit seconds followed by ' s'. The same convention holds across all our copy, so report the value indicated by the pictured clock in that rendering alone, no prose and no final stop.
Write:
6 h 32 min
